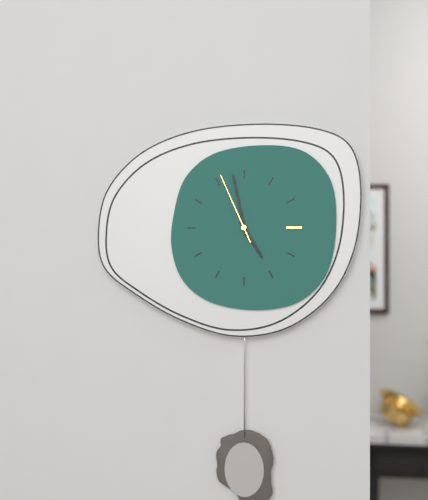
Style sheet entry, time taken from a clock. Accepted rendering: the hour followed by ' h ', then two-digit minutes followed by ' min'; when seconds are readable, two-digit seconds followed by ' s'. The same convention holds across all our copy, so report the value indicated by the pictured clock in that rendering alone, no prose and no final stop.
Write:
4 h 58 min 56 s
